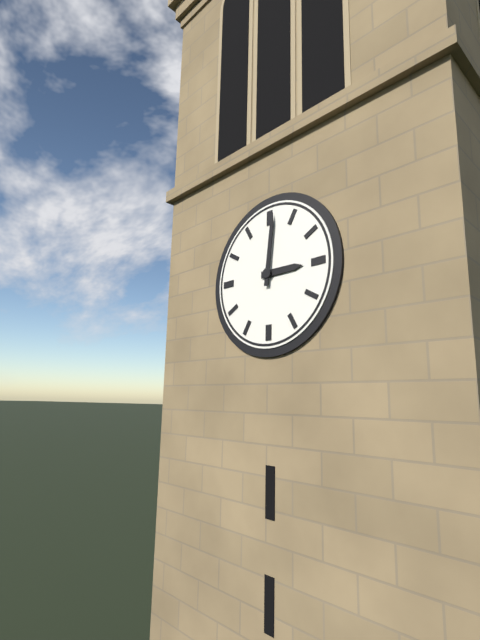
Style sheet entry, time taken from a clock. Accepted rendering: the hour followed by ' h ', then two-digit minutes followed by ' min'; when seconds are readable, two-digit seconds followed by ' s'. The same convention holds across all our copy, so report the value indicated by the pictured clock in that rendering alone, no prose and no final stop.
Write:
3 h 01 min
